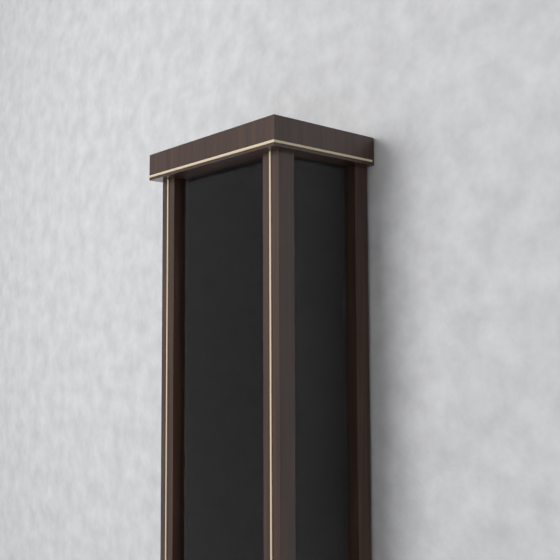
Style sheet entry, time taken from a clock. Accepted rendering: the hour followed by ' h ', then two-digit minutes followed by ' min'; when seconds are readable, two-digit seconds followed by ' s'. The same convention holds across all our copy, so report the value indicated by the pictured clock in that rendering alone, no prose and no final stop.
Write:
4 h 48 min
